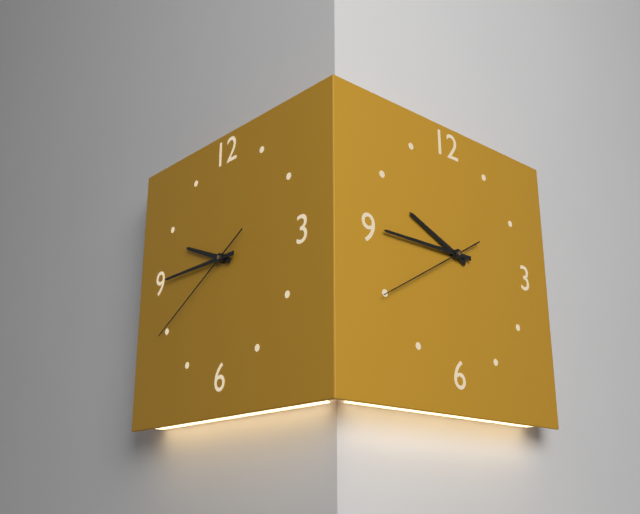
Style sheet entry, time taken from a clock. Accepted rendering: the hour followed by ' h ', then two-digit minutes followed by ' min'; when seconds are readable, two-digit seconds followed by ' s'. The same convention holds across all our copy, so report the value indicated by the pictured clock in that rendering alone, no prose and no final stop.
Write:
9 h 45 min 40 s
